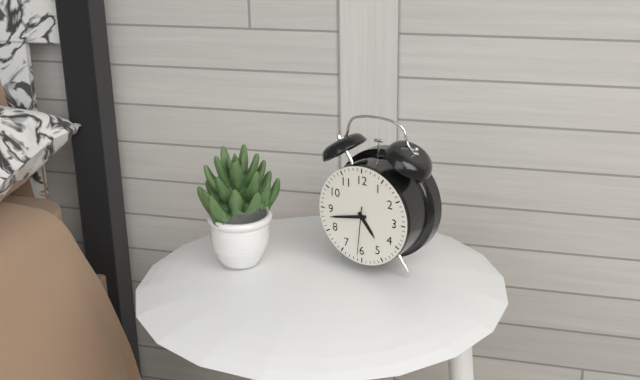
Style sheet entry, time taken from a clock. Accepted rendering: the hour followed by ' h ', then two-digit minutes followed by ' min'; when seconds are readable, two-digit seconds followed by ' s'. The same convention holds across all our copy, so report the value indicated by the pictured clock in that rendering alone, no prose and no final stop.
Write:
4 h 43 min
